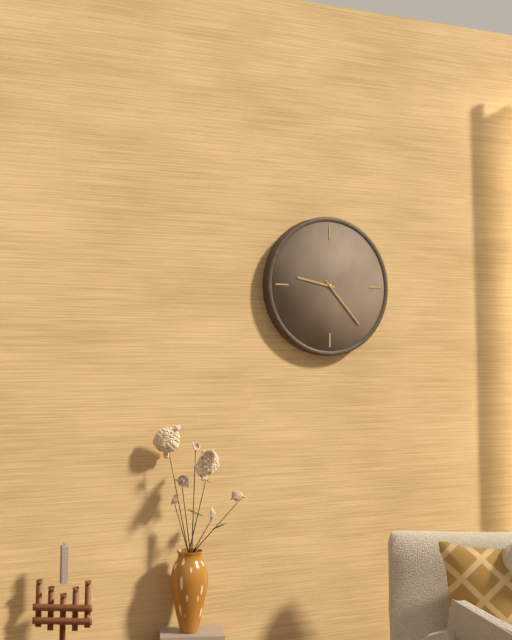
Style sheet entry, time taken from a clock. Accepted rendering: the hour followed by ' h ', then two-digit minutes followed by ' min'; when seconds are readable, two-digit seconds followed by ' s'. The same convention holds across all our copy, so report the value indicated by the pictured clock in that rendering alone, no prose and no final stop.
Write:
9 h 23 min
